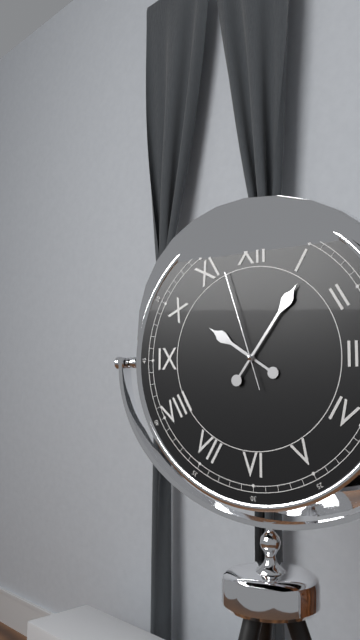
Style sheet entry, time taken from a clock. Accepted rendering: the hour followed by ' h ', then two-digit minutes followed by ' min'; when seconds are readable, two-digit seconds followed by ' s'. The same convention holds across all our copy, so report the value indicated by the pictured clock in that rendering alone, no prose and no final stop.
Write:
10 h 06 min 57 s
